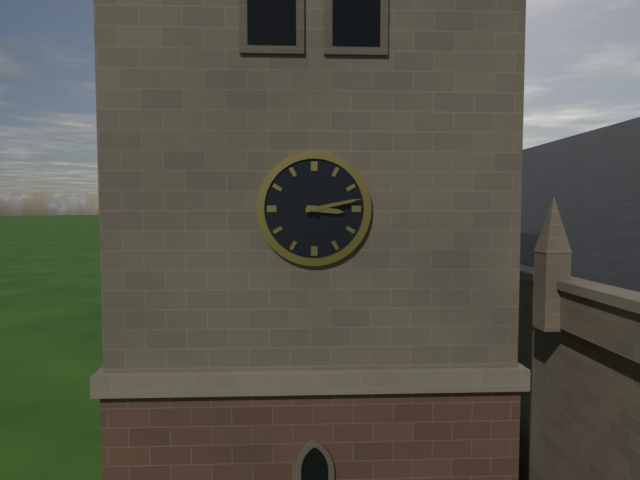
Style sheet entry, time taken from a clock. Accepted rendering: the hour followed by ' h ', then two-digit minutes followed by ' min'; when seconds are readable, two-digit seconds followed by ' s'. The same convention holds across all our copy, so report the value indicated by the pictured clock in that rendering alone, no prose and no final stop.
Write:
3 h 13 min
